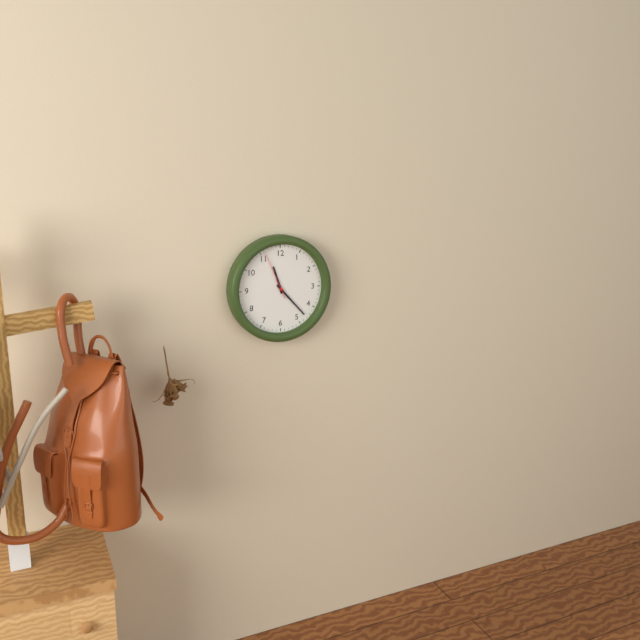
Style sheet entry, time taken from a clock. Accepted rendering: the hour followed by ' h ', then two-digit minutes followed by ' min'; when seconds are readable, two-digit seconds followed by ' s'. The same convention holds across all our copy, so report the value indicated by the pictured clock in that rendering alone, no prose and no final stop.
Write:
11 h 23 min
